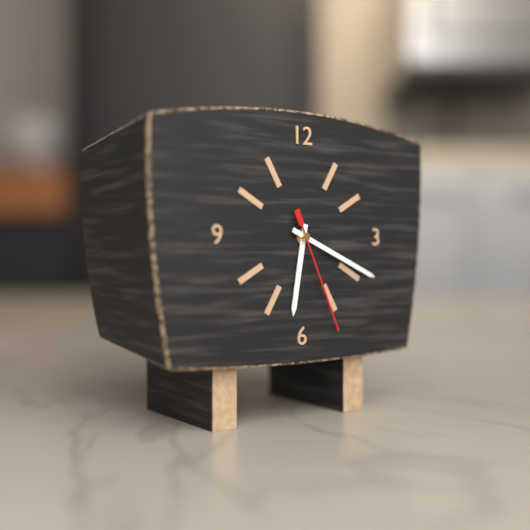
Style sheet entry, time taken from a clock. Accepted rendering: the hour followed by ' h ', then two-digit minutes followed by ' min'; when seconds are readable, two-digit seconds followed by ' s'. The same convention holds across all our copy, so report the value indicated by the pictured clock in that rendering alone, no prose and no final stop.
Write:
6 h 19 min 26 s
